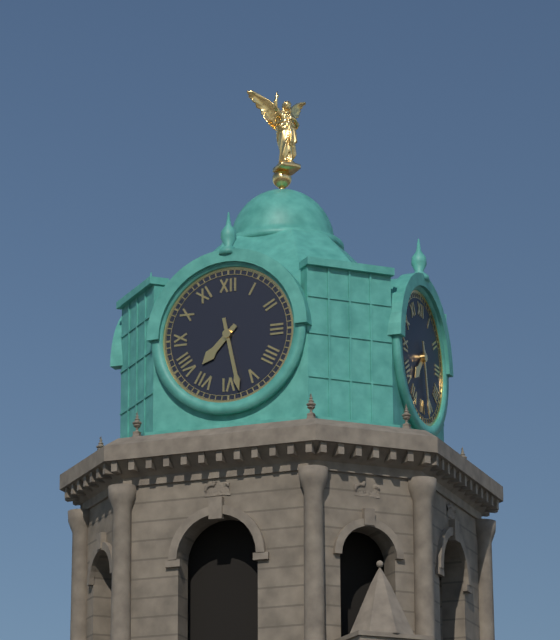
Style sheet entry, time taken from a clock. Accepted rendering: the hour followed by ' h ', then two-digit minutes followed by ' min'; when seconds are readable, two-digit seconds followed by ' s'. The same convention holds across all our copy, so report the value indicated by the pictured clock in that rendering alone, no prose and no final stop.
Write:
7 h 28 min
